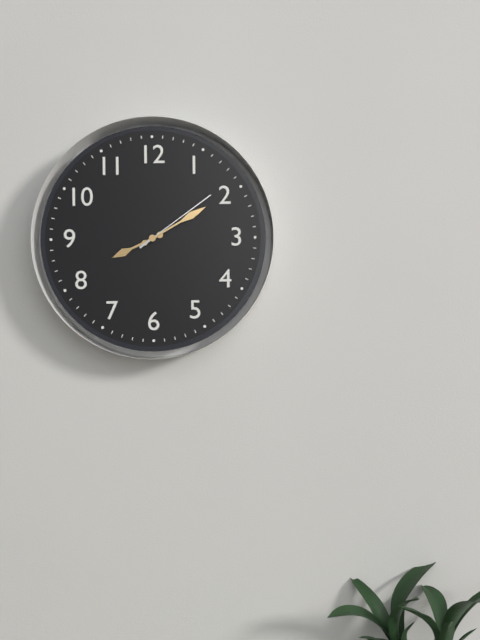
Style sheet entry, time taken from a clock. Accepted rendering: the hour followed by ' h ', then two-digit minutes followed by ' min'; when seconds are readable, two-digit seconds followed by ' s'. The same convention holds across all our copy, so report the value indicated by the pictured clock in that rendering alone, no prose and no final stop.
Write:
8 h 10 min 09 s
